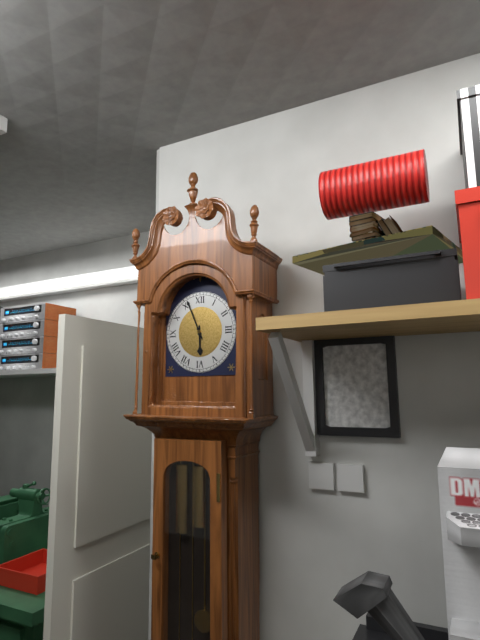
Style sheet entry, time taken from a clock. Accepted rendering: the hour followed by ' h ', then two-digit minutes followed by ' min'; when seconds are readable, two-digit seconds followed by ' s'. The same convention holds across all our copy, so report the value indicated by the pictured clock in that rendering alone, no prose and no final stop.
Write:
5 h 56 min
